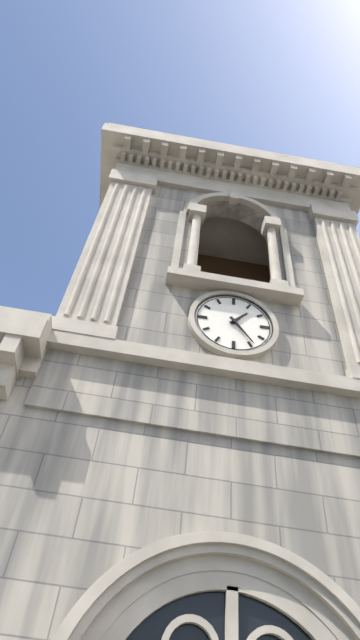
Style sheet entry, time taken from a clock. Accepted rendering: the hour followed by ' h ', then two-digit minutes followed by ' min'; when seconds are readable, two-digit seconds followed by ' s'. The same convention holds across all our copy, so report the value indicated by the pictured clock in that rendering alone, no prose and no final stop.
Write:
1 h 24 min
